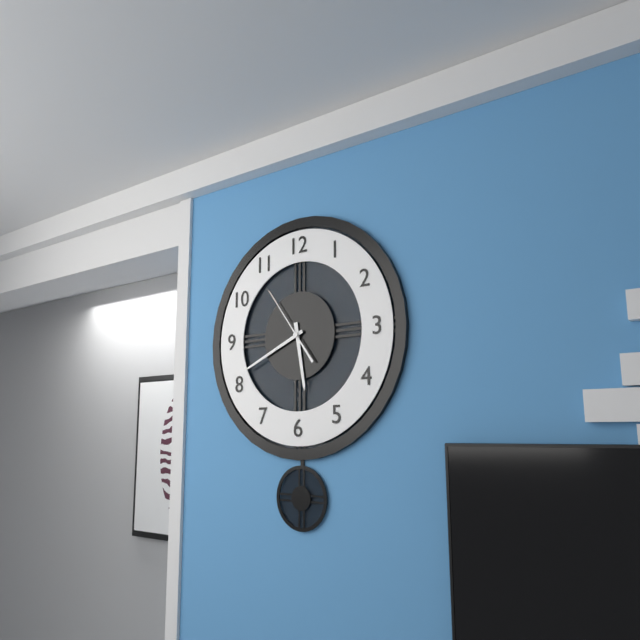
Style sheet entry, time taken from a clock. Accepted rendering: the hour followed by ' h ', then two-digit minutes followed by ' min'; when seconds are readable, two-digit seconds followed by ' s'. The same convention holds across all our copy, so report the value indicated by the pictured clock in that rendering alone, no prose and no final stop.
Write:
5 h 41 min 54 s
